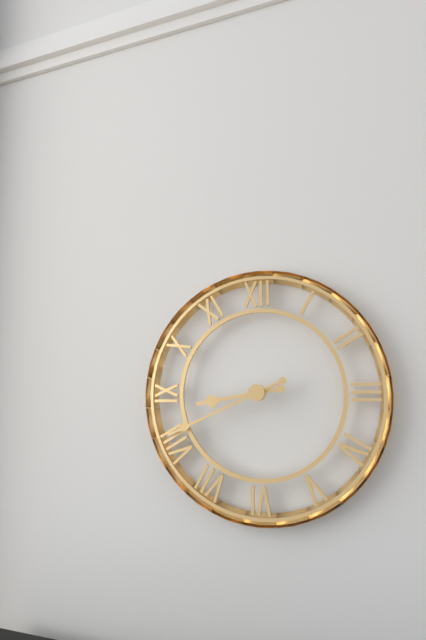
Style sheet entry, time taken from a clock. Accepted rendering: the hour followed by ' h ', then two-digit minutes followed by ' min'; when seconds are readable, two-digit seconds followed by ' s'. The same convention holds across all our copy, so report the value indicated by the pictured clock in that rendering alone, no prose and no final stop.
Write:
8 h 41 min
